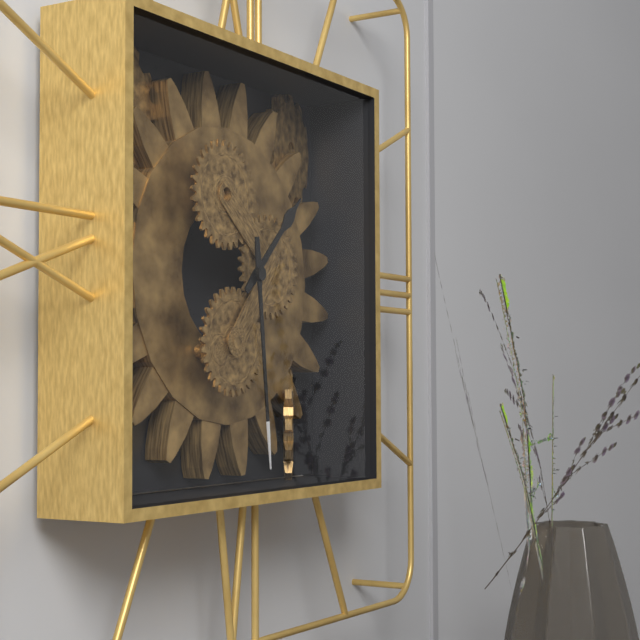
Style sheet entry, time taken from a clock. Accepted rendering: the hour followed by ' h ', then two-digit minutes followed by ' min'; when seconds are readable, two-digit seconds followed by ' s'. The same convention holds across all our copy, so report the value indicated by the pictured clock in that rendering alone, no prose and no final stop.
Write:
1 h 29 min
